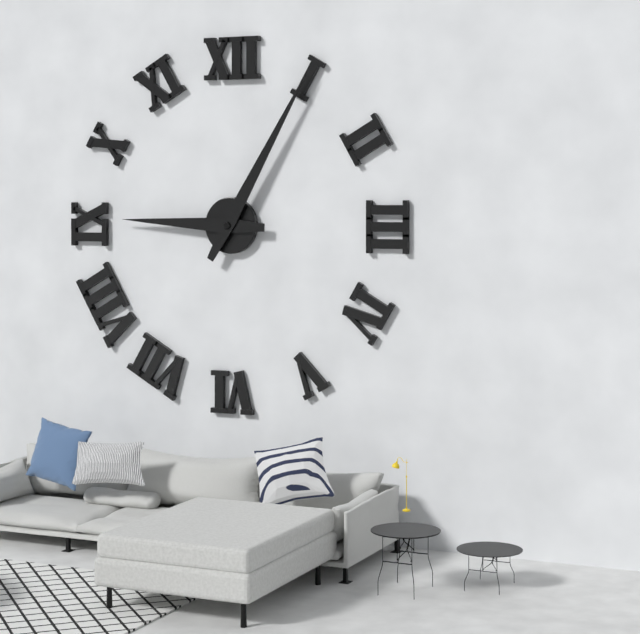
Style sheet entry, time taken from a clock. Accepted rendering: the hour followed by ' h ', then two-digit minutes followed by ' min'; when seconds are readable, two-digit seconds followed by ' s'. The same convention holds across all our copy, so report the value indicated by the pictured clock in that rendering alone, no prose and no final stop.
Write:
9 h 05 min
